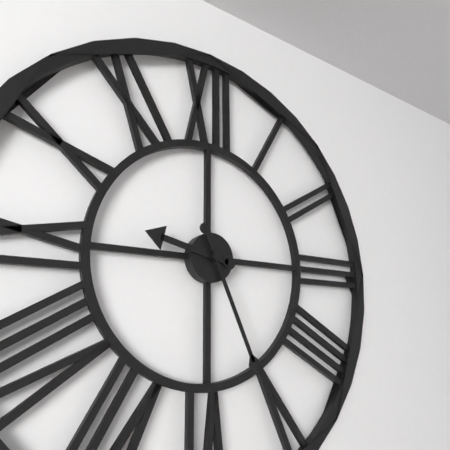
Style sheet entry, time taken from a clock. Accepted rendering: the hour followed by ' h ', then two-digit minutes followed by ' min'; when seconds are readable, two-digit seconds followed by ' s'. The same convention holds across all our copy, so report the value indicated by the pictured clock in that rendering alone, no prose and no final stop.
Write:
9 h 26 min
